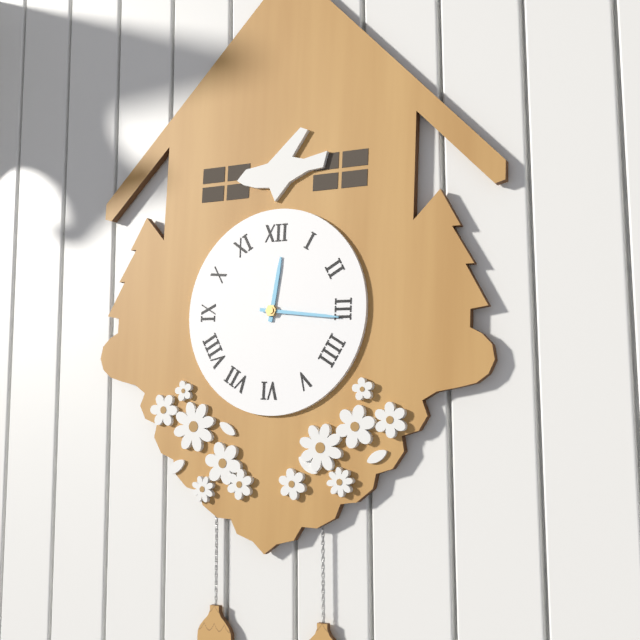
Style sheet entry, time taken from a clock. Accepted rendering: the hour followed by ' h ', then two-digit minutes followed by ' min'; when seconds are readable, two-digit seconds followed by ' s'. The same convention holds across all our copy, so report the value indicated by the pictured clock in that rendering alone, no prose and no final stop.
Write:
12 h 16 min
